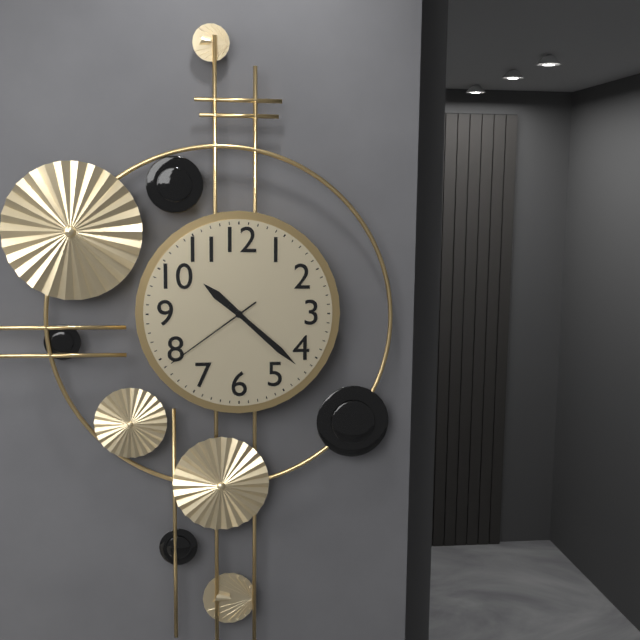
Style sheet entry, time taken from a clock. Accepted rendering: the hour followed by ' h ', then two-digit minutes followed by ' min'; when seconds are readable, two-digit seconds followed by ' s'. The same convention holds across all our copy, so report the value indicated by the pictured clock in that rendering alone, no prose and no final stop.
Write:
10 h 22 min 39 s
